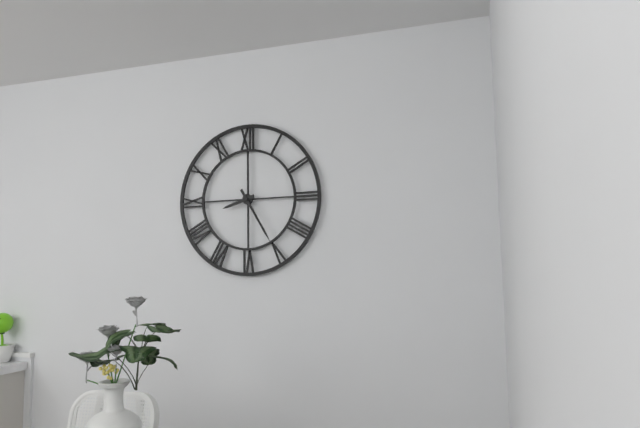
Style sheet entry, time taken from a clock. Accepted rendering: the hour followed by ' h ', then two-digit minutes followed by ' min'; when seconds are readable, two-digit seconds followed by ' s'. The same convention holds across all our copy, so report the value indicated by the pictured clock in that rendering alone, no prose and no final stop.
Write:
8 h 25 min
